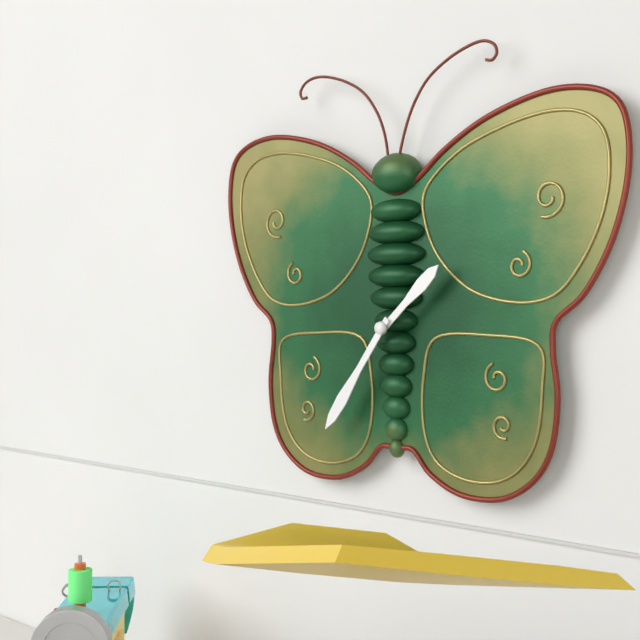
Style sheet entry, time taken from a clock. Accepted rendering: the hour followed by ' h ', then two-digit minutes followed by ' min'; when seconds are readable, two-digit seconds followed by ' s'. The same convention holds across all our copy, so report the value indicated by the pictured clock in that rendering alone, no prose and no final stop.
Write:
1 h 36 min
